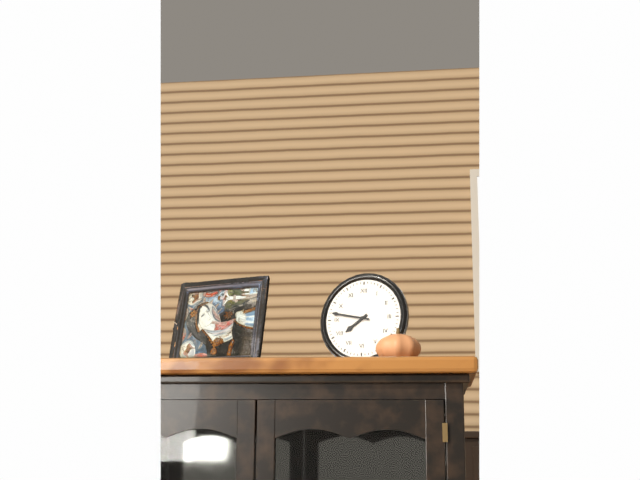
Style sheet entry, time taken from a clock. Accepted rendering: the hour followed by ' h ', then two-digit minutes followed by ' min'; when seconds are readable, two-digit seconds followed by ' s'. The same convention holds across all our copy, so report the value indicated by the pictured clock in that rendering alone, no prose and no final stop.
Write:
7 h 47 min
